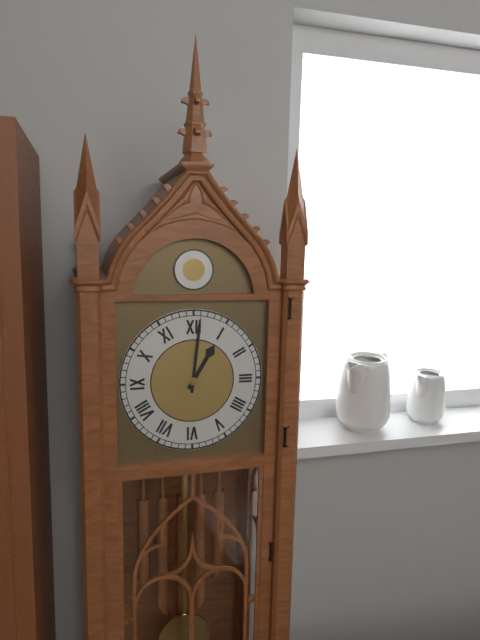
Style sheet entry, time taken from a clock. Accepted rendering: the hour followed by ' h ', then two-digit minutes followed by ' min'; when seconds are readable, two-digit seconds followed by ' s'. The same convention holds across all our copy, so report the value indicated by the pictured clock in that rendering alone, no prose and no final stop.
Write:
1 h 01 min
